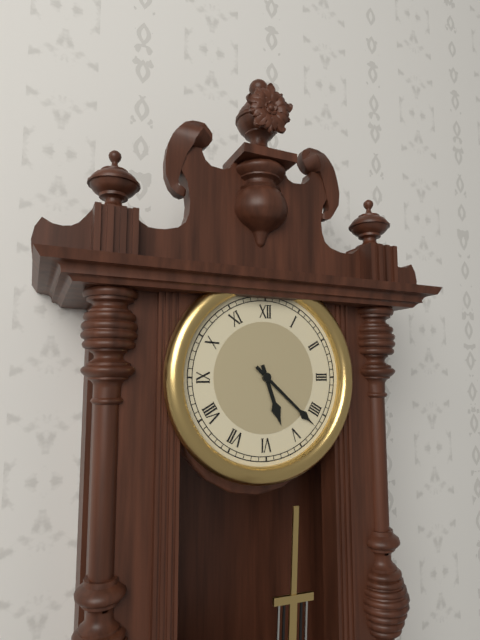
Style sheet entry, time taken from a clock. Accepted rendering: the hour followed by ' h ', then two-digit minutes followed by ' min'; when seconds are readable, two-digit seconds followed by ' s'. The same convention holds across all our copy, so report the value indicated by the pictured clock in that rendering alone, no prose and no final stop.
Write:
5 h 22 min
